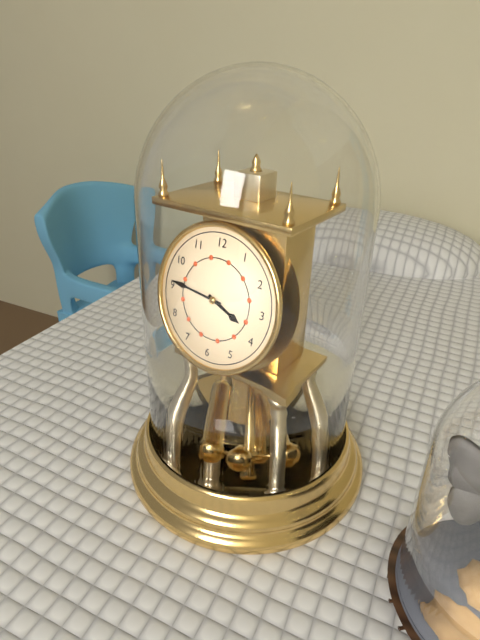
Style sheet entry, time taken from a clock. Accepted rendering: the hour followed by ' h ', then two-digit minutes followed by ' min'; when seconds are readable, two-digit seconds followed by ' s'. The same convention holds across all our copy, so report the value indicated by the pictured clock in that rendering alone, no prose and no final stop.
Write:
3 h 46 min
